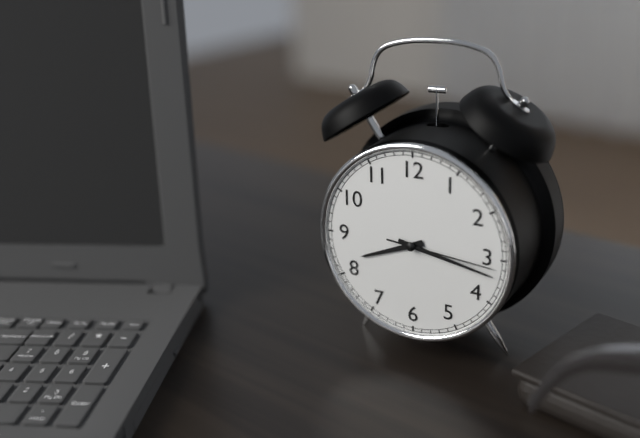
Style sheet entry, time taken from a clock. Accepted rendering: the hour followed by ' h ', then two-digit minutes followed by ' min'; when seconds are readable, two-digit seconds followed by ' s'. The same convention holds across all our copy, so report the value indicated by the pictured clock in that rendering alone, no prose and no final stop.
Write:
8 h 17 min 16 s
